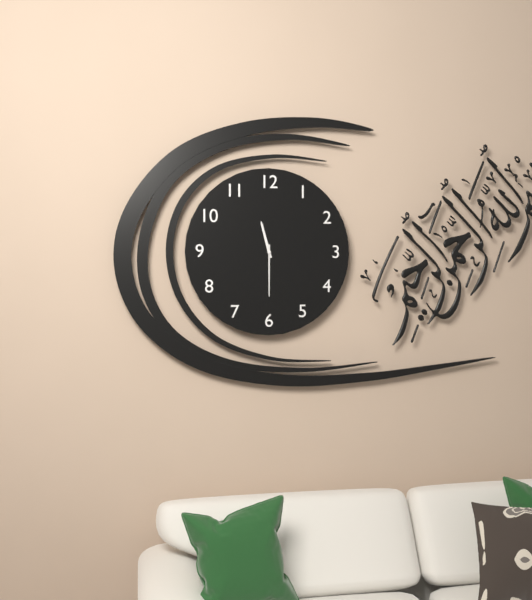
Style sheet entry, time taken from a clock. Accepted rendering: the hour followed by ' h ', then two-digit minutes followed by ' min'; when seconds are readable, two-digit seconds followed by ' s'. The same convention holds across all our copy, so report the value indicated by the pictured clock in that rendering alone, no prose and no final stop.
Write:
11 h 30 min
